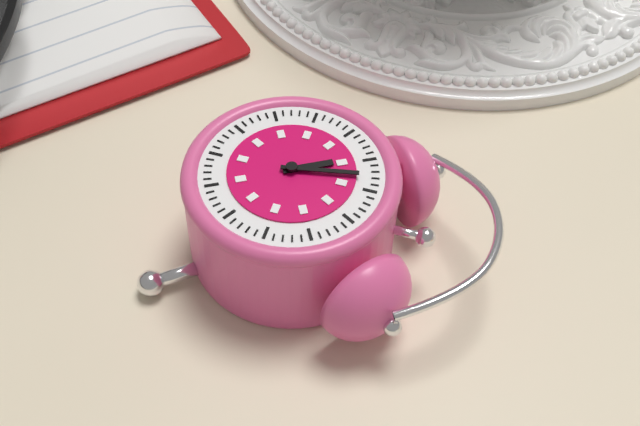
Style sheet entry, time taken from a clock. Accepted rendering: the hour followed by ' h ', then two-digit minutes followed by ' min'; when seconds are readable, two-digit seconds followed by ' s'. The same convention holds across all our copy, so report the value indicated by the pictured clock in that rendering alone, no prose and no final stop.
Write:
10 h 58 min
